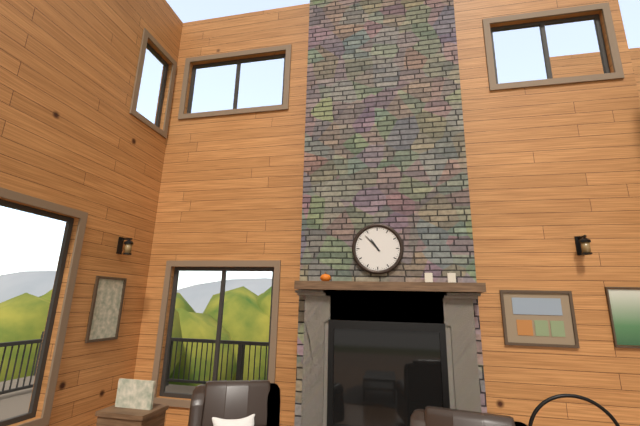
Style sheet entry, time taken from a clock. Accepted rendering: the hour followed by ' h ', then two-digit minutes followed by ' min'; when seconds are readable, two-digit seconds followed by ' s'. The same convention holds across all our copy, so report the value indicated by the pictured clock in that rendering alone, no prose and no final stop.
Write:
10 h 53 min
